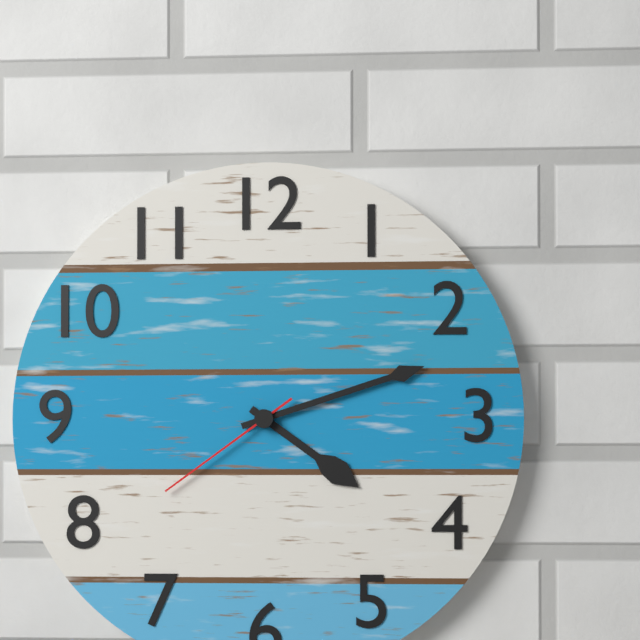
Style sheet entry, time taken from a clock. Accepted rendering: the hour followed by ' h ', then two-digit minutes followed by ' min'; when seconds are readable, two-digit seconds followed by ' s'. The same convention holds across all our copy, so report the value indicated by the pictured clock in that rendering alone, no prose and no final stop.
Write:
4 h 12 min 39 s
